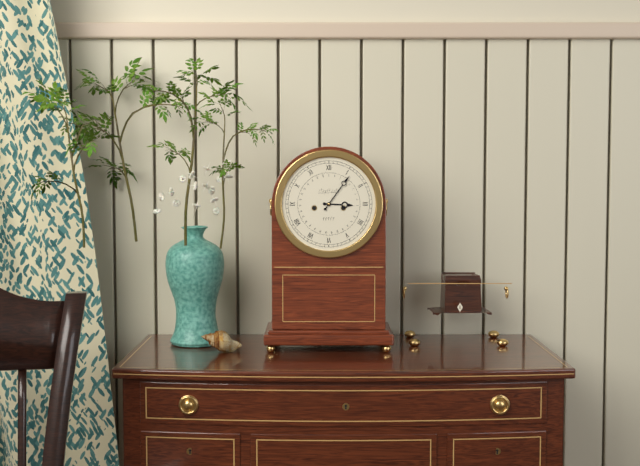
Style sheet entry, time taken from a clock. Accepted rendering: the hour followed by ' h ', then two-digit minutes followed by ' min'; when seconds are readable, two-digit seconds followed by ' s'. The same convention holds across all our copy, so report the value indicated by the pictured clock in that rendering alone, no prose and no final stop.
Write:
3 h 06 min
